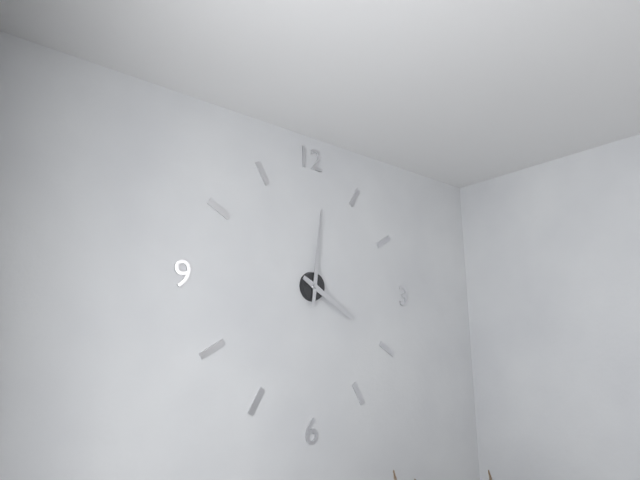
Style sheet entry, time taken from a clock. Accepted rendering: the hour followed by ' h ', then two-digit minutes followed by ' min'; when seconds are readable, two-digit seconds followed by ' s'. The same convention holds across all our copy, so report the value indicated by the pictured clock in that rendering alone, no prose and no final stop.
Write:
4 h 01 min
